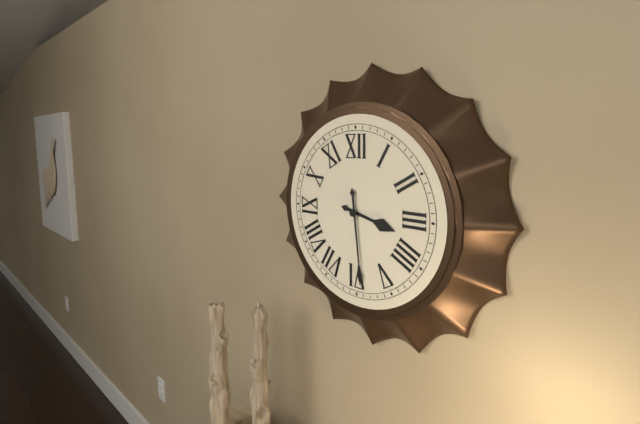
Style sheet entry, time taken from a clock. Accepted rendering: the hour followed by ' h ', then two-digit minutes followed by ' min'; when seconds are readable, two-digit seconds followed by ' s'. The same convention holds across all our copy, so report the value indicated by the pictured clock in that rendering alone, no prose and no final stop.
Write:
3 h 29 min
